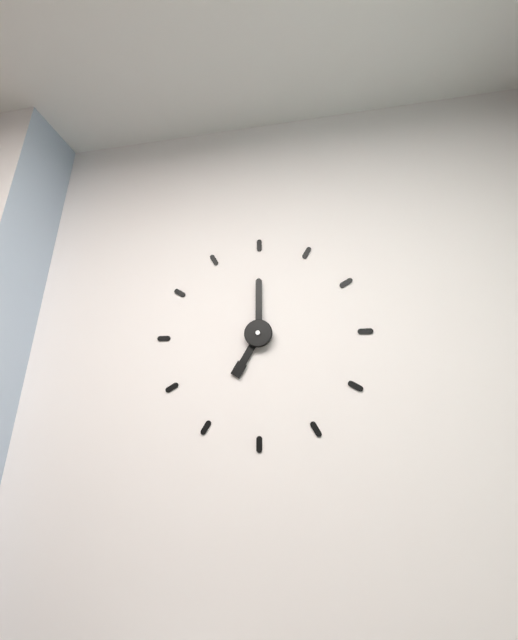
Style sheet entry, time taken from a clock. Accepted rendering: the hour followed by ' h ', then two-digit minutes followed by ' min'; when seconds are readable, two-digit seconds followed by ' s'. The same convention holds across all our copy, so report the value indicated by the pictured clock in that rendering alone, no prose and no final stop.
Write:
7 h 00 min
